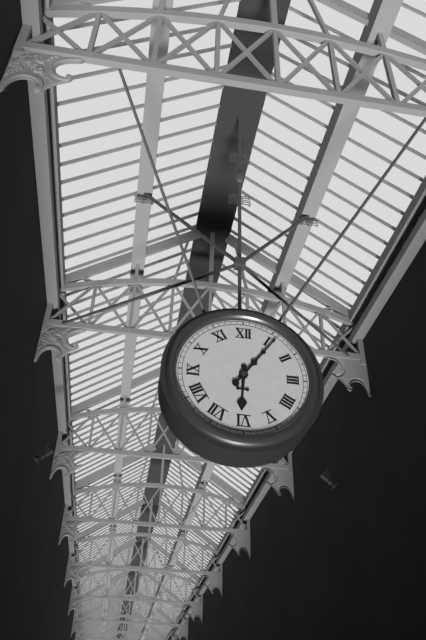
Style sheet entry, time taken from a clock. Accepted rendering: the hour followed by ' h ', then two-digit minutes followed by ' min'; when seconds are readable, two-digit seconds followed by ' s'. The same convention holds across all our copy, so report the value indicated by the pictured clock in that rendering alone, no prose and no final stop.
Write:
6 h 06 min
